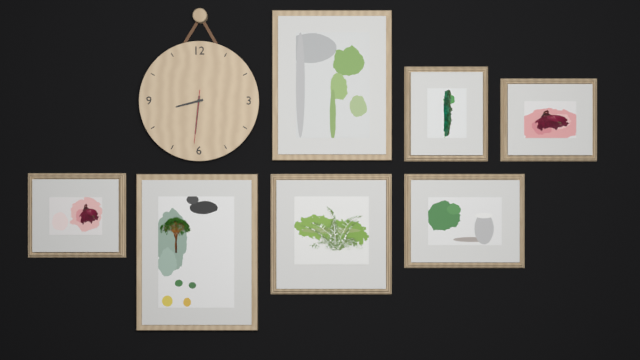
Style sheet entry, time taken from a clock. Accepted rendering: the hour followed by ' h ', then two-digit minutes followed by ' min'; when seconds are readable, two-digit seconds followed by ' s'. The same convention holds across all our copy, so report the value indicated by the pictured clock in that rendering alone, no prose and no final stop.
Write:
8 h 31 min 31 s
